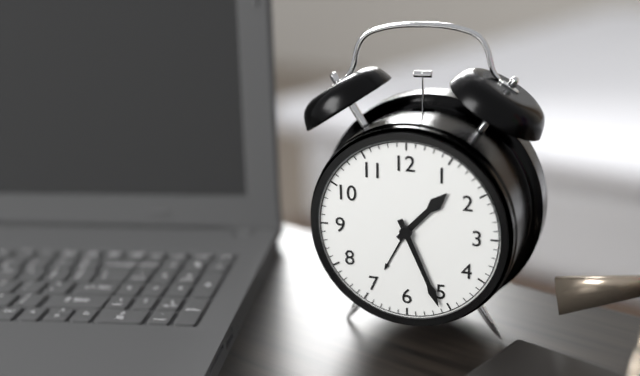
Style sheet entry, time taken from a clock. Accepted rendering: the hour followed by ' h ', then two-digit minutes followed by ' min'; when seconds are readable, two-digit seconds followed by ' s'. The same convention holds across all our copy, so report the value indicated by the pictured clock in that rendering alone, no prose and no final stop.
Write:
1 h 26 min
